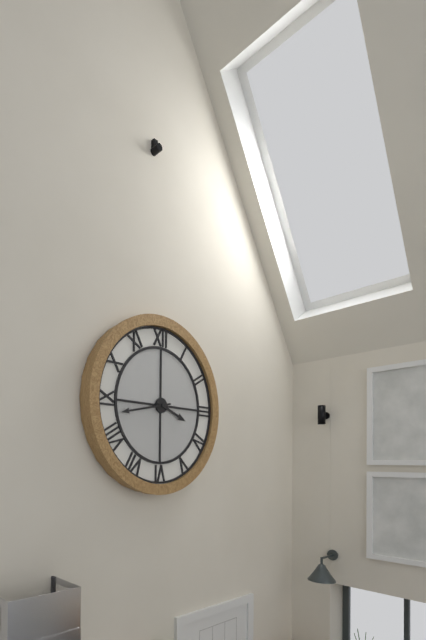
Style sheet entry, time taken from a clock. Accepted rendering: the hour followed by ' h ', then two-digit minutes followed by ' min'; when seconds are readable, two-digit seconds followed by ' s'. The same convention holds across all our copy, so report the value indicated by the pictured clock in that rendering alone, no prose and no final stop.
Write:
3 h 43 min
